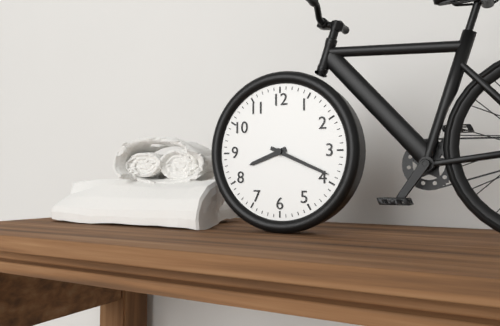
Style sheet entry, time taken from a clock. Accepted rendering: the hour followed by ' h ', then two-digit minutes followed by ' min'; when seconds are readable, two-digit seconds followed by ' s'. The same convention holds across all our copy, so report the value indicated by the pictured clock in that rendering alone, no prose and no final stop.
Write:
8 h 19 min
